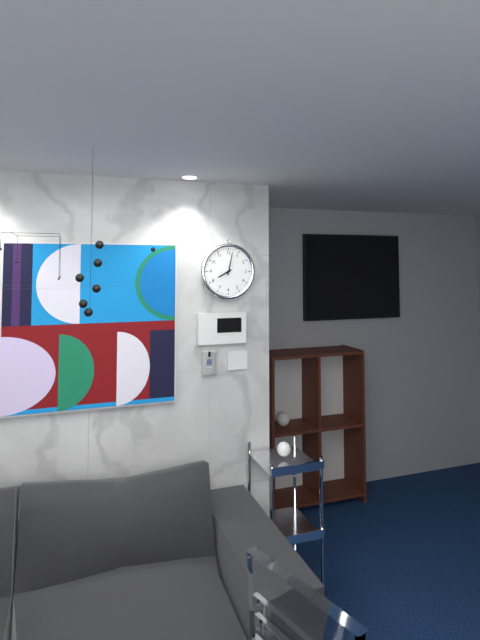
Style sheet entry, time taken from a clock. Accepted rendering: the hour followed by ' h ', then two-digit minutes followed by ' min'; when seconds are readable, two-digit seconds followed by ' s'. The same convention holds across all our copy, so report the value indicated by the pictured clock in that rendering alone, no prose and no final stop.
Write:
8 h 02 min
